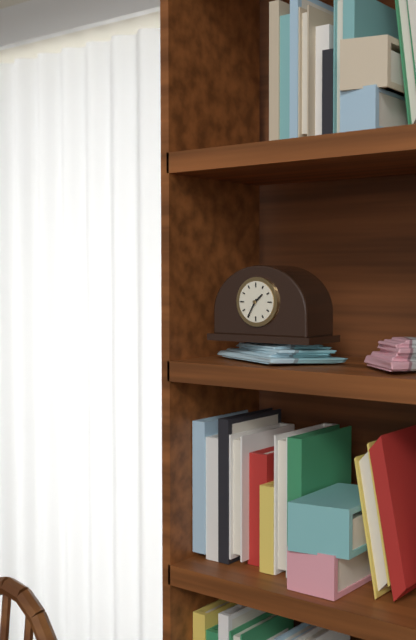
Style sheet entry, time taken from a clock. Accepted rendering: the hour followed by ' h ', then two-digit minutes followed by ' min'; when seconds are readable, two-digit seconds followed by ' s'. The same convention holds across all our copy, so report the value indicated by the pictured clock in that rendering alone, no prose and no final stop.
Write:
1 h 35 min
